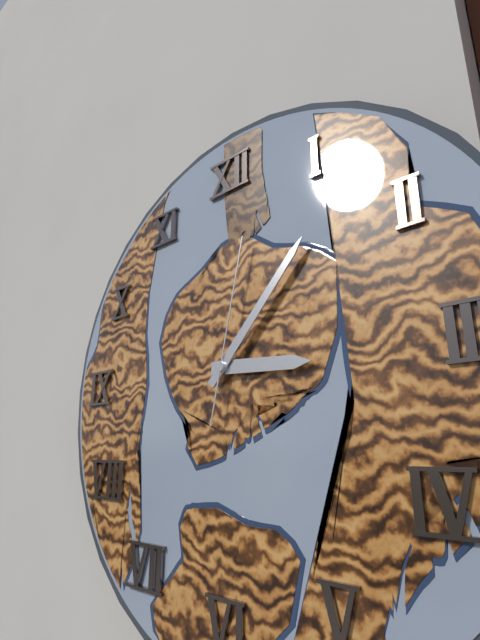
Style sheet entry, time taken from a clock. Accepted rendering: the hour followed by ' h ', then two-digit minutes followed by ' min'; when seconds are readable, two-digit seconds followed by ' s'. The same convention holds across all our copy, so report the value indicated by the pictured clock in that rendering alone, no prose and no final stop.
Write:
3 h 07 min 02 s
